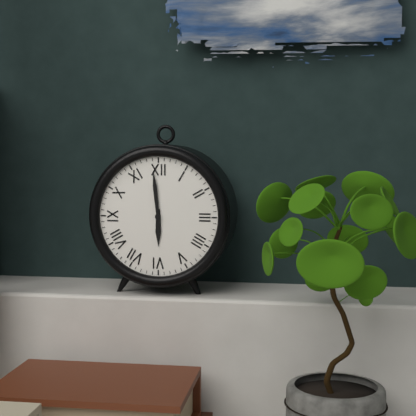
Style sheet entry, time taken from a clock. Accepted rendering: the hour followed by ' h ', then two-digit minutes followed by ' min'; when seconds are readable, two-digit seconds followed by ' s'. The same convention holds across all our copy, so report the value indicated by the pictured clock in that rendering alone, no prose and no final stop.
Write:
5 h 59 min
